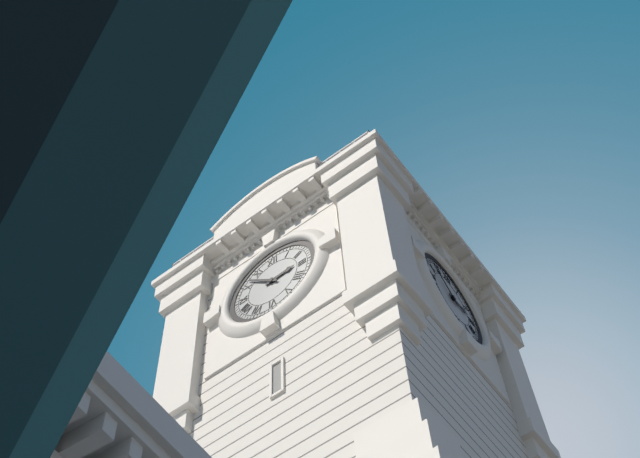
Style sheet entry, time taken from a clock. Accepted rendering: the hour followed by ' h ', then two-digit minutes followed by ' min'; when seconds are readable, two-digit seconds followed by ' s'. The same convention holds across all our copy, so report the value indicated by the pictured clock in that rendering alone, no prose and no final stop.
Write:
2 h 52 min
